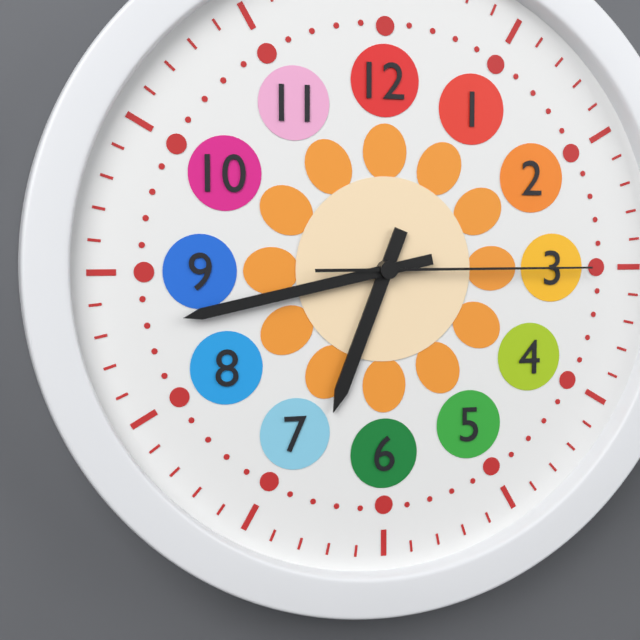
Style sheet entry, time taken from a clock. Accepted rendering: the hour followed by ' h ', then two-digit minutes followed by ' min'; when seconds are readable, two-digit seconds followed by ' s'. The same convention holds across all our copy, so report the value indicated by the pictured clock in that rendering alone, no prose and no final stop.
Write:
6 h 43 min 15 s
